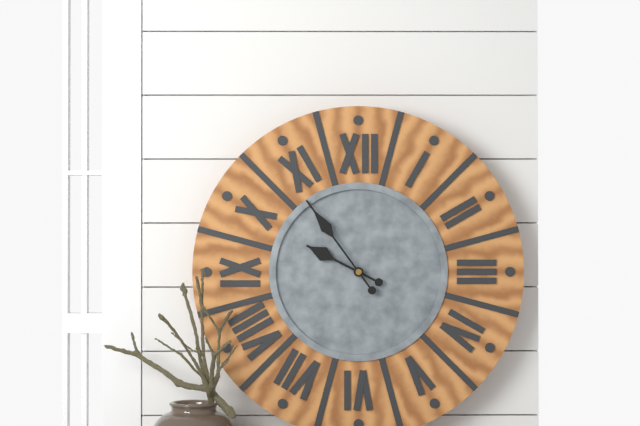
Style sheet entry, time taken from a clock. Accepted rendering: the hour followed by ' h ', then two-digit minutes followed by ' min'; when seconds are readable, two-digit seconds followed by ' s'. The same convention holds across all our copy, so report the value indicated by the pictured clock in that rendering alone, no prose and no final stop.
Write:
9 h 54 min
